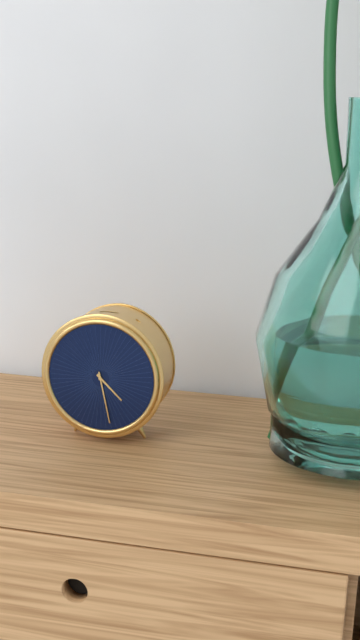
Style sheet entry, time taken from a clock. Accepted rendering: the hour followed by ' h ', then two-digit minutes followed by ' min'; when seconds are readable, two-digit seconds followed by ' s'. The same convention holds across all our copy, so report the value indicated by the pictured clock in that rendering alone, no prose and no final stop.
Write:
4 h 28 min
